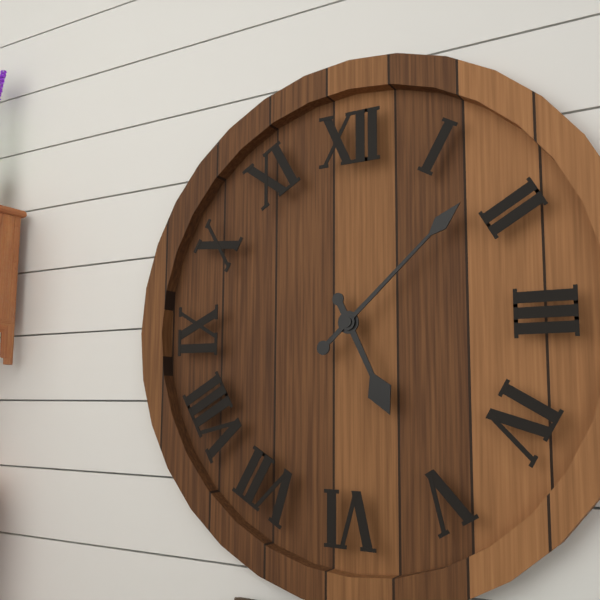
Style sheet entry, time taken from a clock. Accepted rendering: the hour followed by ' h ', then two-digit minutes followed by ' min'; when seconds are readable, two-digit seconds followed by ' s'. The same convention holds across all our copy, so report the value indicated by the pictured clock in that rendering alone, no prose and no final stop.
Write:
5 h 08 min
